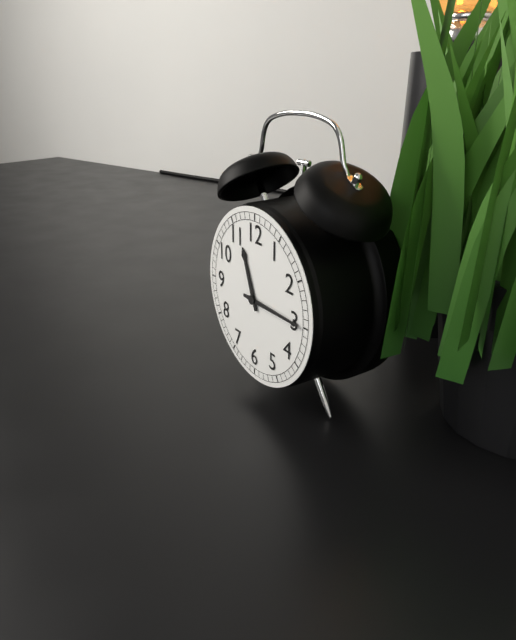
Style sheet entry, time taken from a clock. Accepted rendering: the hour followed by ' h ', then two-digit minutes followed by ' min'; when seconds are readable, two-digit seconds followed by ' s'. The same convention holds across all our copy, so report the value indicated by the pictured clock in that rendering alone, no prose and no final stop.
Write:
11 h 15 min
